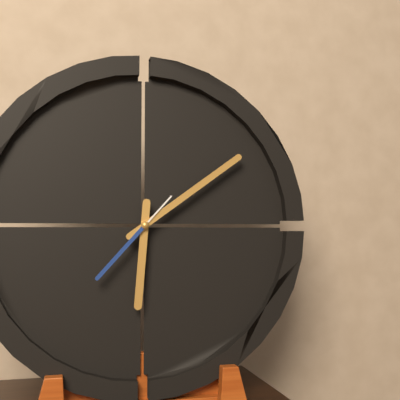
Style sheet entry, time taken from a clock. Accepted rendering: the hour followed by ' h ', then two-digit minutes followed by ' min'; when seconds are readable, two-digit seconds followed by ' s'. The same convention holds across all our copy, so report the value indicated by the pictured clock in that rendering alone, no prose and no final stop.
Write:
6 h 09 min 37 s
